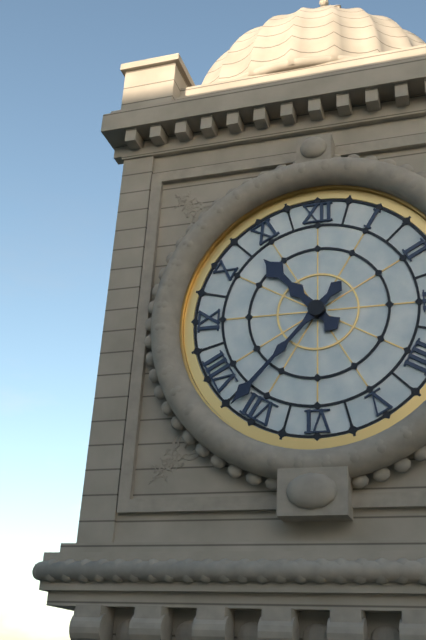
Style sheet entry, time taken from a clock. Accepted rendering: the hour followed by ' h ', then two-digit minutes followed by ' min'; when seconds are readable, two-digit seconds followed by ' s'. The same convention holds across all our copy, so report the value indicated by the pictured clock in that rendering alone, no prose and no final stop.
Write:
10 h 37 min
